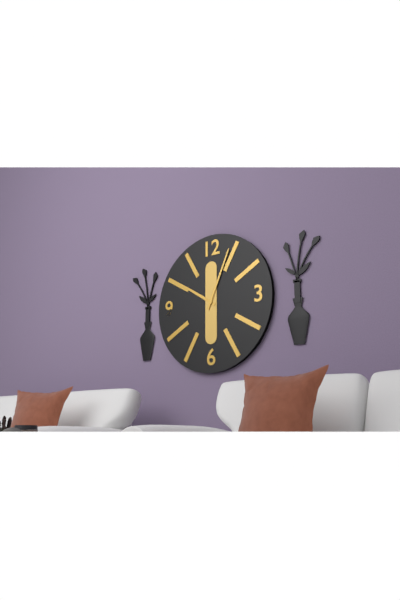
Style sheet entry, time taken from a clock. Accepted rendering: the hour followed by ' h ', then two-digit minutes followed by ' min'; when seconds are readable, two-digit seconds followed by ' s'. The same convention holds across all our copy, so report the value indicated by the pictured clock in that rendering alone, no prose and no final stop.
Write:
10 h 04 min
